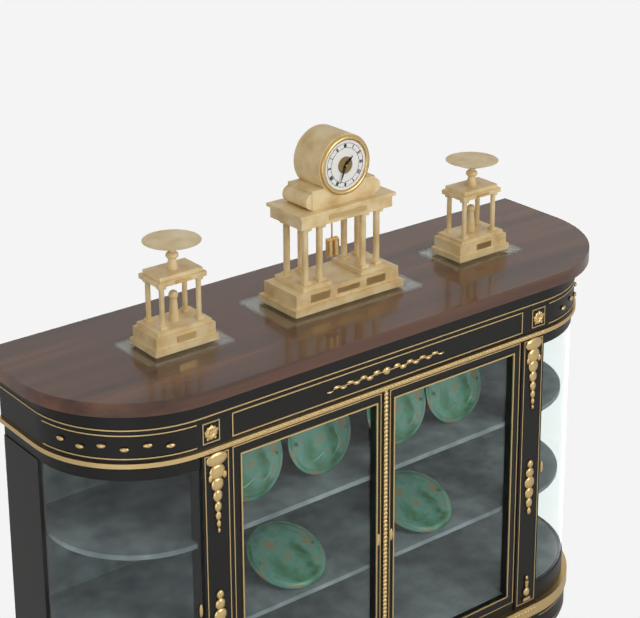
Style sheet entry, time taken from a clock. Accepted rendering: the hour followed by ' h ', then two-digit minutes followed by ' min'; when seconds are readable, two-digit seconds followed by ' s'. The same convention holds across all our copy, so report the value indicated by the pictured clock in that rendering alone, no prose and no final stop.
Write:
1 h 34 min
